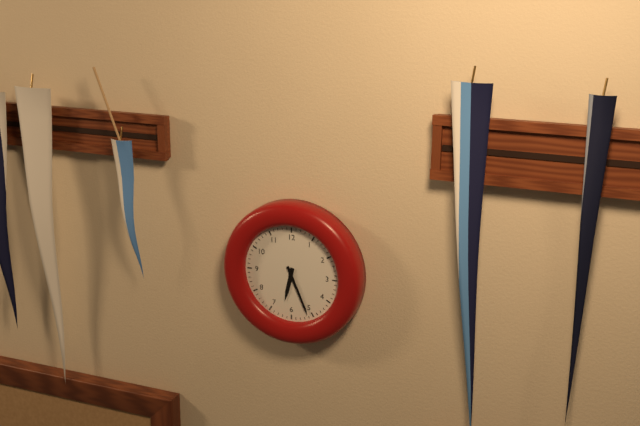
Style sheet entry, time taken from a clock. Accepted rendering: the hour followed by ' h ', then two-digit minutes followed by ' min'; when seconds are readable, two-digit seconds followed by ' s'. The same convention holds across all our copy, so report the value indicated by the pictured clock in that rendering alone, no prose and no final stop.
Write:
6 h 26 min
